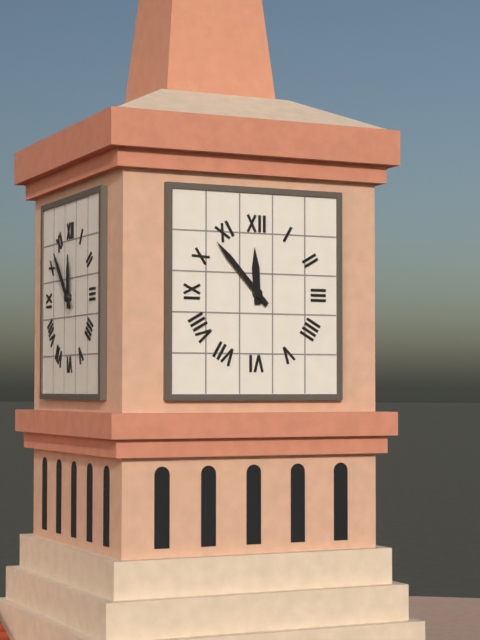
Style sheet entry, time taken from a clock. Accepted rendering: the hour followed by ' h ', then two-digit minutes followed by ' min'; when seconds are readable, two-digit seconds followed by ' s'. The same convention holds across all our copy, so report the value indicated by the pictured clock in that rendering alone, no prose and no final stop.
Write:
11 h 53 min
